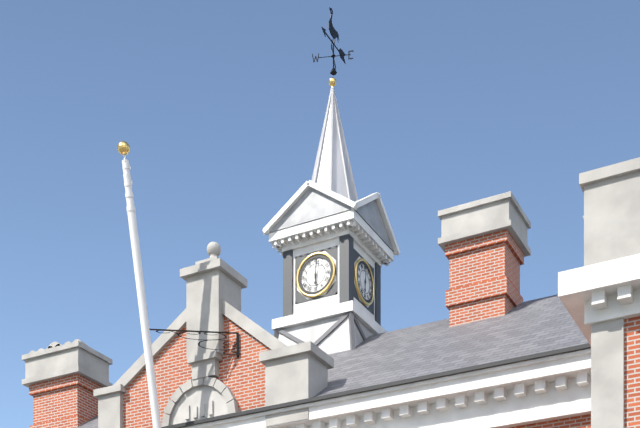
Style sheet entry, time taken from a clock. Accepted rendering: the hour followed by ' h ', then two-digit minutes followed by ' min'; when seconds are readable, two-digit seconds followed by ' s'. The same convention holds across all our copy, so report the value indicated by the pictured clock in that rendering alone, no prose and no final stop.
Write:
6 h 01 min
